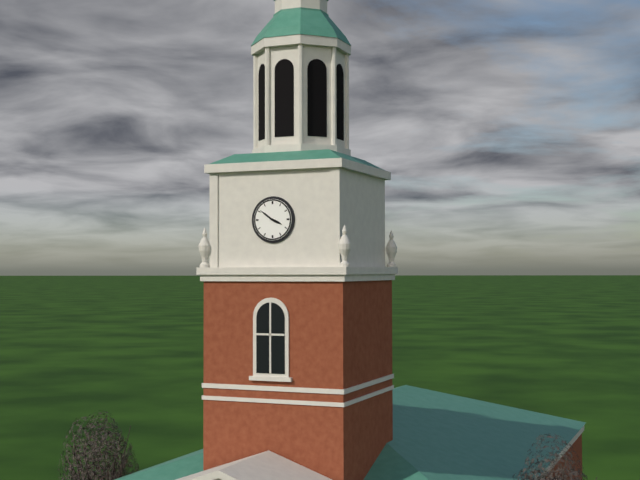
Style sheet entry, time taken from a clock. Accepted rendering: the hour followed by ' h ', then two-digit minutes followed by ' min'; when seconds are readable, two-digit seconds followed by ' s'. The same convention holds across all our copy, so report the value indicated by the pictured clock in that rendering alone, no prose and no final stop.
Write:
3 h 51 min
